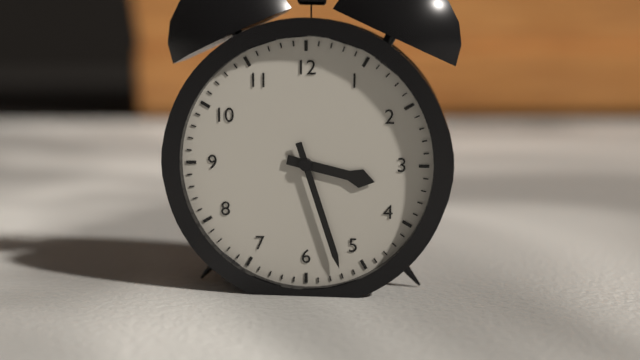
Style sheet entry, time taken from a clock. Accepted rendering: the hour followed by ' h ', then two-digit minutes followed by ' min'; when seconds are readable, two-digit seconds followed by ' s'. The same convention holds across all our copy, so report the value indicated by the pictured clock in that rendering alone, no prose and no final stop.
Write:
3 h 27 min
